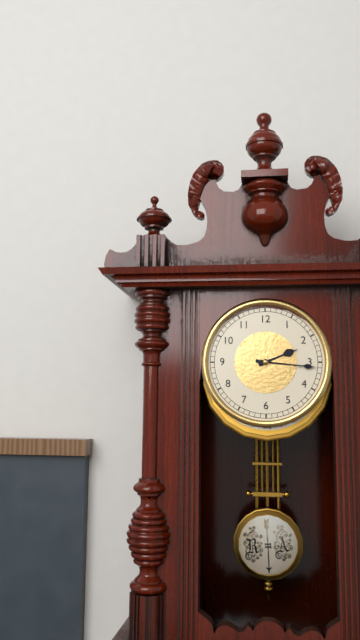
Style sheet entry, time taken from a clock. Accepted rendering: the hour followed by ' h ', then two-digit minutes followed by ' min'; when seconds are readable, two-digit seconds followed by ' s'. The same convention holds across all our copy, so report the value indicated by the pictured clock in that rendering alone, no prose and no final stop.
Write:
2 h 16 min
